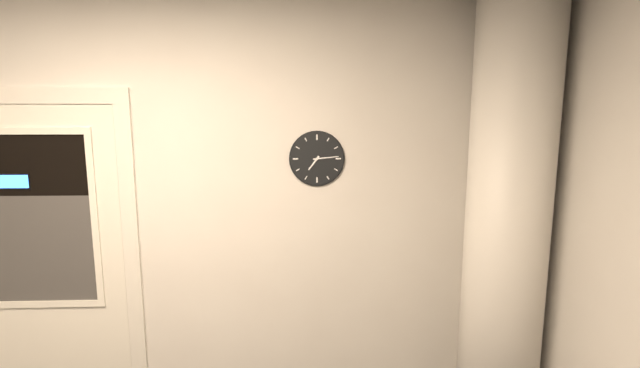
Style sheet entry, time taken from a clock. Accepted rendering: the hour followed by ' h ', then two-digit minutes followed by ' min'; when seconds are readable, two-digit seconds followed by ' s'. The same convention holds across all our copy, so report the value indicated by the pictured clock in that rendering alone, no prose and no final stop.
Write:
7 h 14 min
